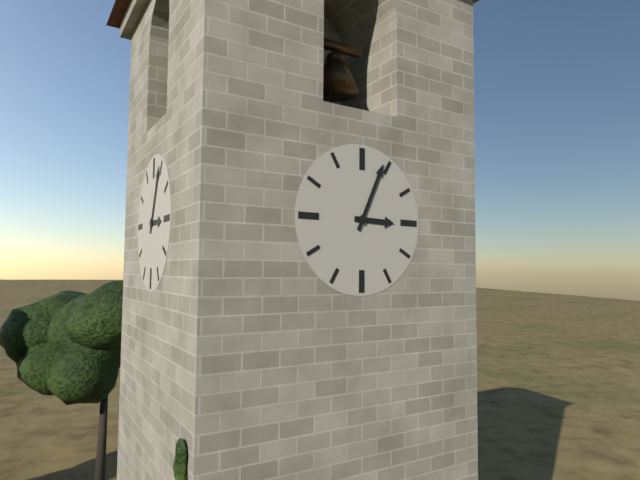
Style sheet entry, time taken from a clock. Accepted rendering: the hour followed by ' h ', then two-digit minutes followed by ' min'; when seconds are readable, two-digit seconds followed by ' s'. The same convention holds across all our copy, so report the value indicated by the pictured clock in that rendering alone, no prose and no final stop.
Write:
3 h 04 min
